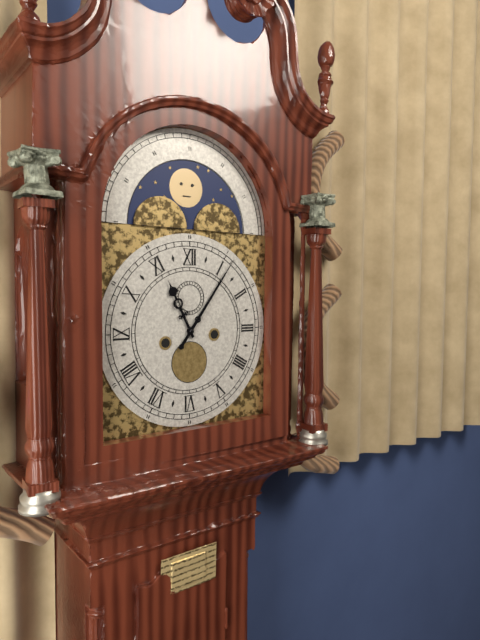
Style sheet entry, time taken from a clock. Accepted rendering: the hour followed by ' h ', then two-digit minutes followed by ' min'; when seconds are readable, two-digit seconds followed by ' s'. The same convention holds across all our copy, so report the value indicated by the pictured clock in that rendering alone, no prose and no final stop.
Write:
11 h 06 min
